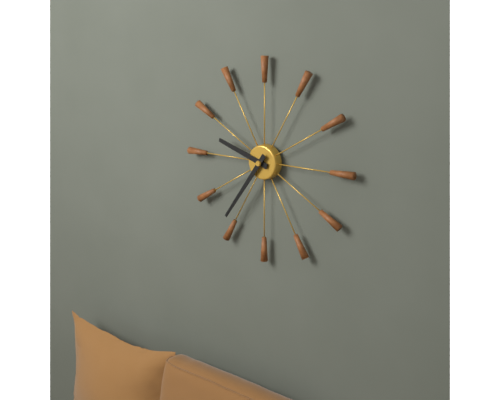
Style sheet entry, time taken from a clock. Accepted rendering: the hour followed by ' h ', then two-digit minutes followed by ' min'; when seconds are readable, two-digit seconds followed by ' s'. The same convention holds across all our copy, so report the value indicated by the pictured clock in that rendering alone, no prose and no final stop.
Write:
9 h 36 min
